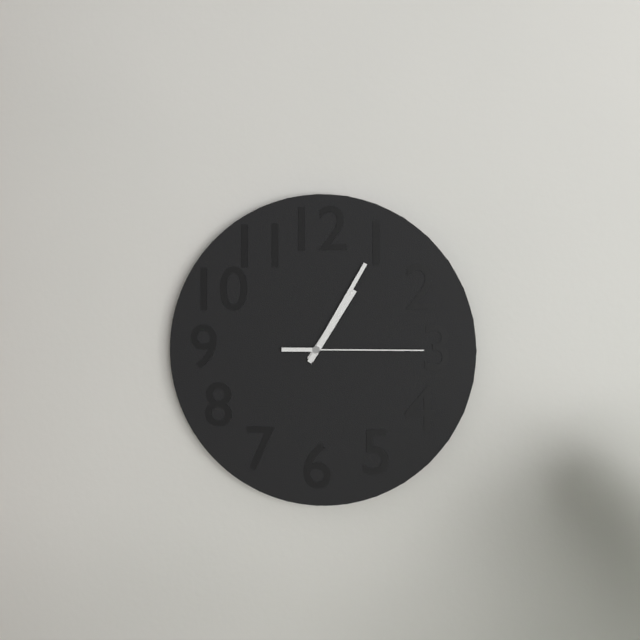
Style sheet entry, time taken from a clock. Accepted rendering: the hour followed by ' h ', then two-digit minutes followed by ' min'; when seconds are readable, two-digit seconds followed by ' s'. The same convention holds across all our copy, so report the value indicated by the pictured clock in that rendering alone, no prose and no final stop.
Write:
1 h 05 min 15 s
